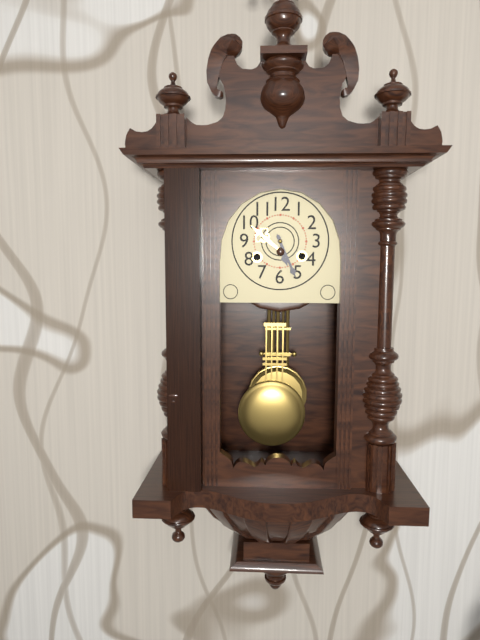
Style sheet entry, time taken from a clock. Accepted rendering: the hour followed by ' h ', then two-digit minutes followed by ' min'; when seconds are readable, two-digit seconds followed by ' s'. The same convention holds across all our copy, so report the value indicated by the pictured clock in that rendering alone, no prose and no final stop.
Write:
5 h 26 min
